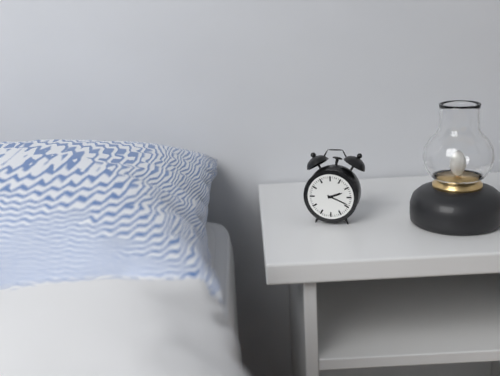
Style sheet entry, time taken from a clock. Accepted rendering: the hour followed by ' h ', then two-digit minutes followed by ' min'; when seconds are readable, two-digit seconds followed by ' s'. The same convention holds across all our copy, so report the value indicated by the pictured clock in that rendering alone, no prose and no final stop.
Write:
2 h 19 min
